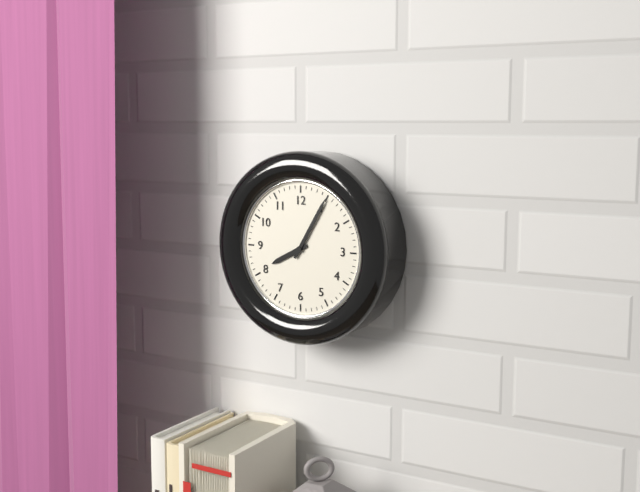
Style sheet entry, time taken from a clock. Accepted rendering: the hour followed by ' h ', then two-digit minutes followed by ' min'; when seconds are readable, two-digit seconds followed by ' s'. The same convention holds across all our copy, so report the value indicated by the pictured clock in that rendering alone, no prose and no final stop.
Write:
8 h 05 min
